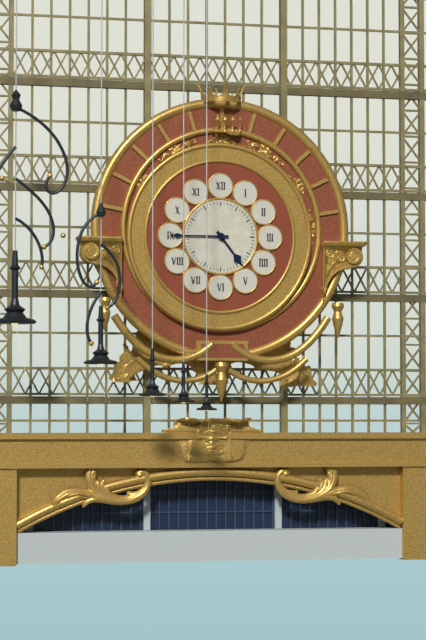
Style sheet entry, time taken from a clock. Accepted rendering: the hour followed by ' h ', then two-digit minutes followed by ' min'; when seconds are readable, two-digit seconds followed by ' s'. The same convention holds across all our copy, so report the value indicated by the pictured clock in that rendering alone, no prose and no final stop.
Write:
4 h 45 min
